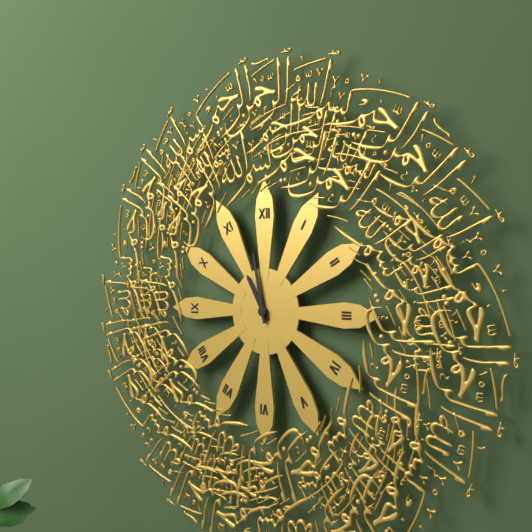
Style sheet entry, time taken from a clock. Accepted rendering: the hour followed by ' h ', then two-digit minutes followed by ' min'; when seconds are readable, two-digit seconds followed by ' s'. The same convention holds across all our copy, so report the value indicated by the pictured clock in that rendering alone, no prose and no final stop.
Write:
10 h 58 min
